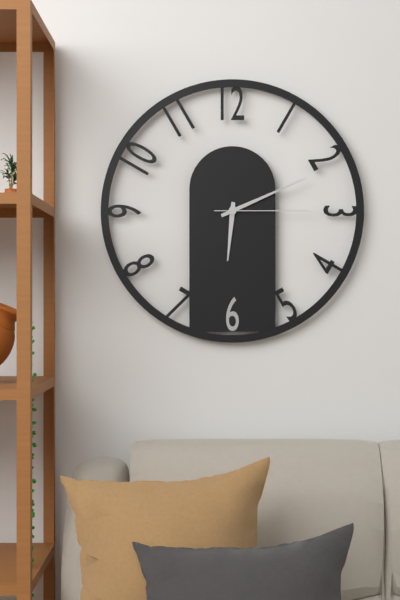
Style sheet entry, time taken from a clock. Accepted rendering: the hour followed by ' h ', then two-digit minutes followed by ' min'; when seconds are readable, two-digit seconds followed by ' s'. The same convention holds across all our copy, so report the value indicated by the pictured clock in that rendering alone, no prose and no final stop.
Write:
6 h 11 min 15 s
